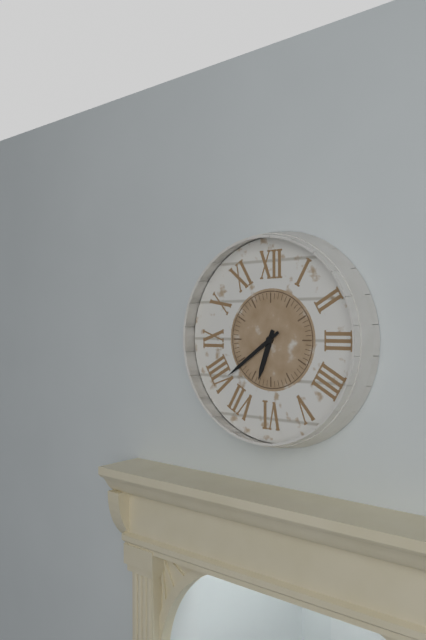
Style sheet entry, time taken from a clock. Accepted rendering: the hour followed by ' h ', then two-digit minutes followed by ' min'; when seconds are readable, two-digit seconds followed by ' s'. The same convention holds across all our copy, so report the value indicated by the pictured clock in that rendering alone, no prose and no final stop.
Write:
6 h 39 min
